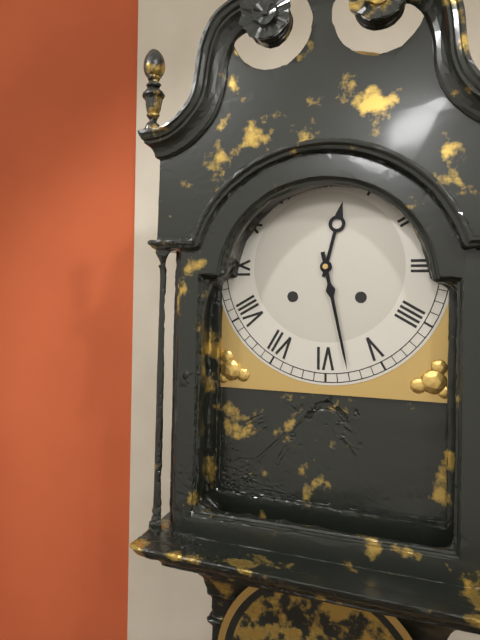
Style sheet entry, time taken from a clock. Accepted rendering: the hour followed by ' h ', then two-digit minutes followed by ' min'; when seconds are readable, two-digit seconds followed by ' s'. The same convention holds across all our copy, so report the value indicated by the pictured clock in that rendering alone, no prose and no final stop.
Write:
12 h 28 min
